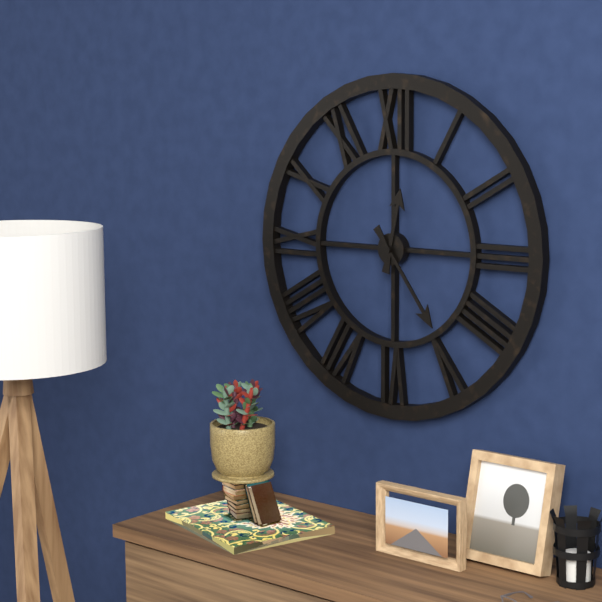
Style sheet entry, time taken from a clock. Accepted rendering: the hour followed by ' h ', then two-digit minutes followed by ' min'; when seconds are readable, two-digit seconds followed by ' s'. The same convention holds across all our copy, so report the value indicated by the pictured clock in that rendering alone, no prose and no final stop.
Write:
12 h 24 min
